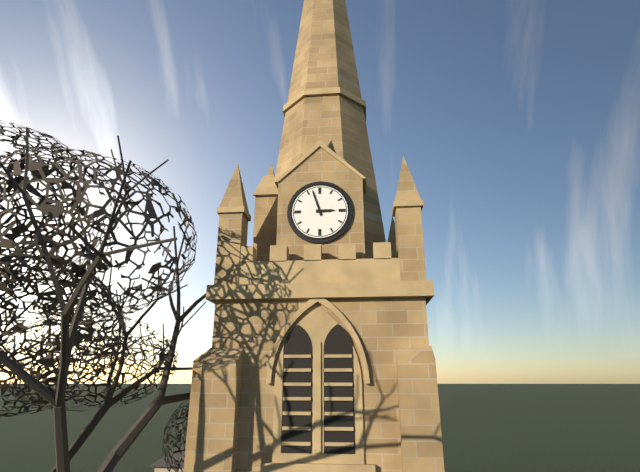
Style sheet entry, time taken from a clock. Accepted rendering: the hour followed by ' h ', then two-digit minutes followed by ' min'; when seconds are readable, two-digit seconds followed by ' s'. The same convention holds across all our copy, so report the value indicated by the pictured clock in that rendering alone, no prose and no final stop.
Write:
2 h 57 min
